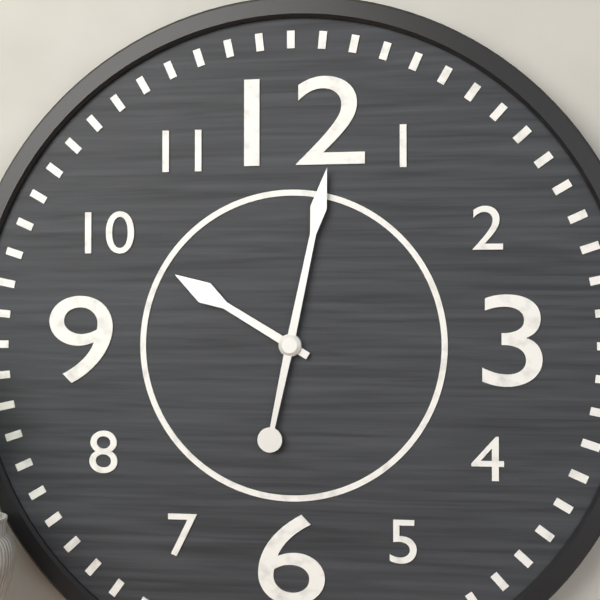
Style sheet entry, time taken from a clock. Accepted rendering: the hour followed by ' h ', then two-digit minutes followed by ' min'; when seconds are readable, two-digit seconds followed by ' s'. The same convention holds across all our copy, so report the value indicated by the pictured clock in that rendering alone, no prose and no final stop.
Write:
10 h 02 min
